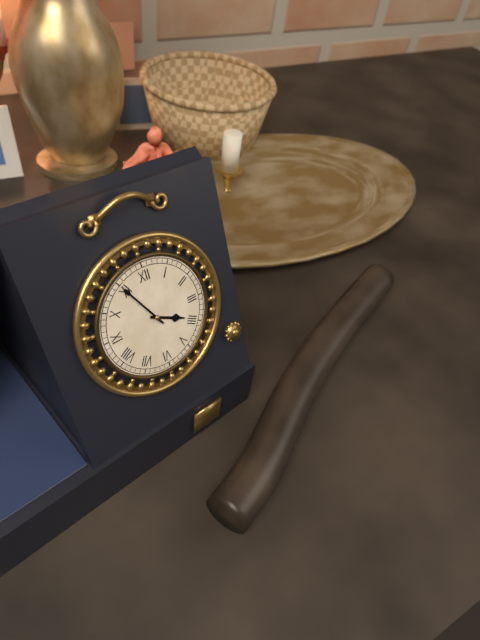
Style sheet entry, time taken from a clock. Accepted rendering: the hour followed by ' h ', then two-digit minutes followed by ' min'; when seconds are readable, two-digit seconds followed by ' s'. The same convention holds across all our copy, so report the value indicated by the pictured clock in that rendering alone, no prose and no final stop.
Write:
3 h 55 min
